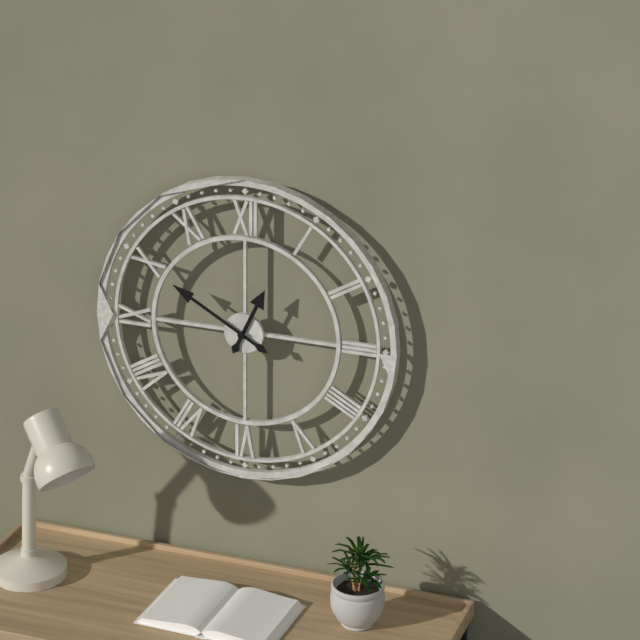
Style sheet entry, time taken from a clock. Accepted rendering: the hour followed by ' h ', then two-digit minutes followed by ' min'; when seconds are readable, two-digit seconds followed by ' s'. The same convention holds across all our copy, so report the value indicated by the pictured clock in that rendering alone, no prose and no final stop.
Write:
12 h 50 min
